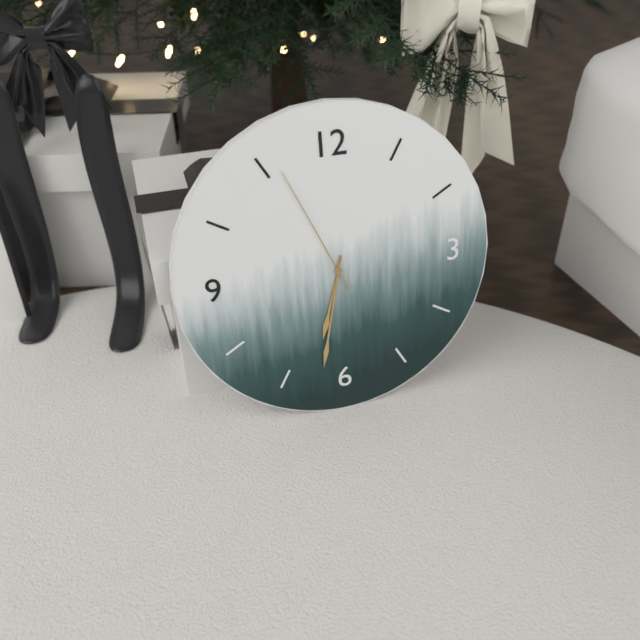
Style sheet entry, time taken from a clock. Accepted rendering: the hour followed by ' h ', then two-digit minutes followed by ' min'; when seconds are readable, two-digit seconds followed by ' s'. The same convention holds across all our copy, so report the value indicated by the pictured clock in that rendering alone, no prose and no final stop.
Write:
6 h 32 min 56 s
